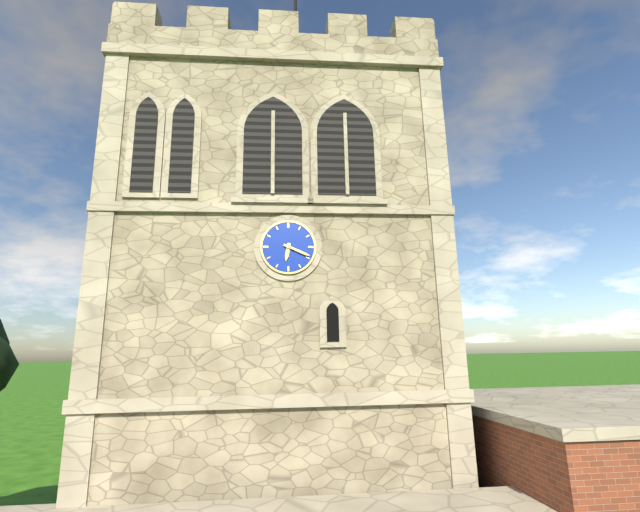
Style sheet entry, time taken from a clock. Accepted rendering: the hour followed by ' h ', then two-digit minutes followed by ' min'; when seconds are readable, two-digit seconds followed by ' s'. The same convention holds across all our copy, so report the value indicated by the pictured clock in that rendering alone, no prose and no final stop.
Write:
6 h 19 min
